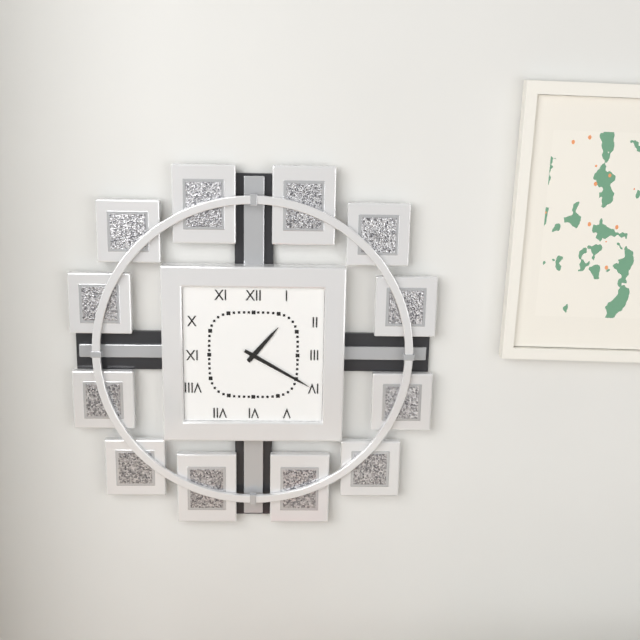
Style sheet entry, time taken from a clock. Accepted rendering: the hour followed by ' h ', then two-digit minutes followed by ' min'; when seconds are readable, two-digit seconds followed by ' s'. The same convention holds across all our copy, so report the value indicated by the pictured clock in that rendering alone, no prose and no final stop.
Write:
1 h 20 min
